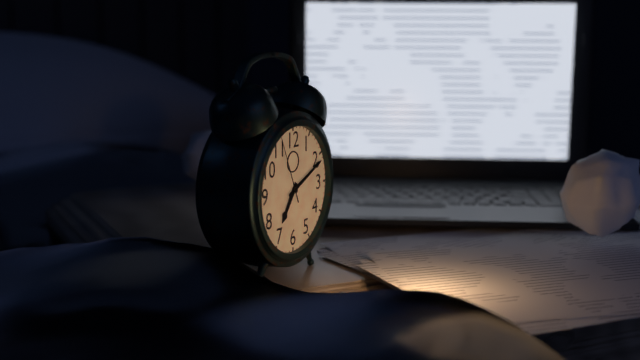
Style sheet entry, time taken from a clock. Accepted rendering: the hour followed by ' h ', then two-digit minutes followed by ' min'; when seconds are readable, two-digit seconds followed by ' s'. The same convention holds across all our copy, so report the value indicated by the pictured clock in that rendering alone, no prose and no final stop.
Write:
7 h 11 min 56 s
